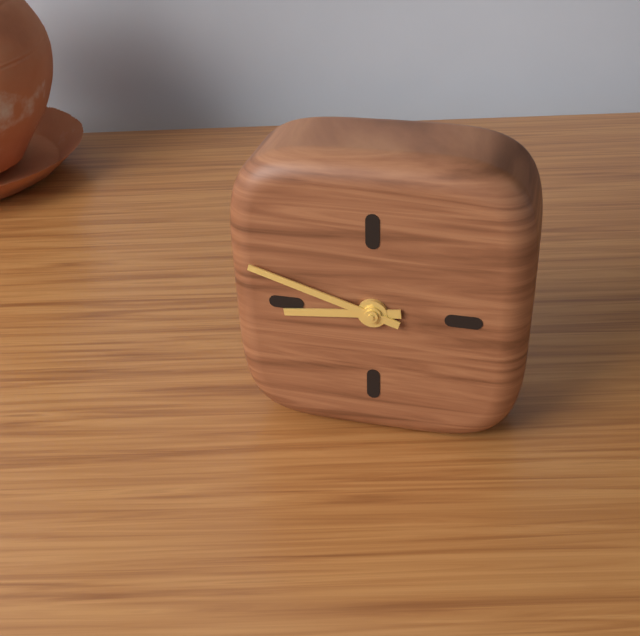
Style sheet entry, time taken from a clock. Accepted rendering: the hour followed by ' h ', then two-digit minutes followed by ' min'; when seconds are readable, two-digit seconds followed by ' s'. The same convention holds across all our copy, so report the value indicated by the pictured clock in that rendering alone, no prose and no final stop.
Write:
8 h 48 min
